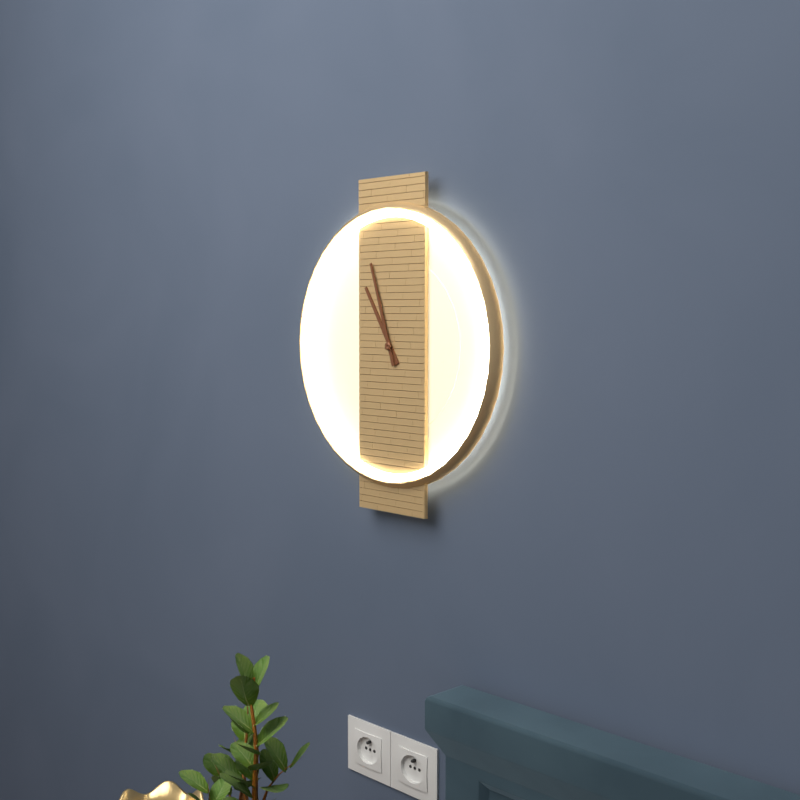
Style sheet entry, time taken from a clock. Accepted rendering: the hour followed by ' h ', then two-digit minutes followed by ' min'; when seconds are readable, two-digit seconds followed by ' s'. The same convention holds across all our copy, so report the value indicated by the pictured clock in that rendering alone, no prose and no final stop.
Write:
10 h 57 min
